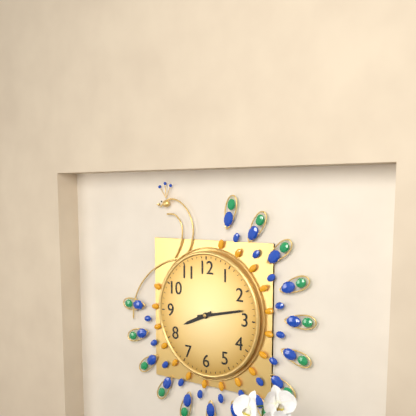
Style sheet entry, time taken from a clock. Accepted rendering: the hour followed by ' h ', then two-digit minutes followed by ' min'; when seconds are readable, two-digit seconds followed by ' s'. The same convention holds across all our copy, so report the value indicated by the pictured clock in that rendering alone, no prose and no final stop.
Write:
8 h 13 min
